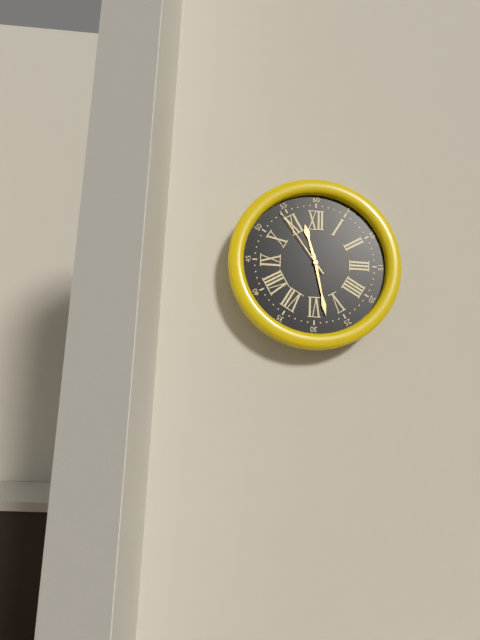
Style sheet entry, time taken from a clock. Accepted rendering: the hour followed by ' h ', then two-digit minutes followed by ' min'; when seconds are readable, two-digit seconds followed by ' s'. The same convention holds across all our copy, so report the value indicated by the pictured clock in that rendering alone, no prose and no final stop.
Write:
11 h 28 min 54 s
